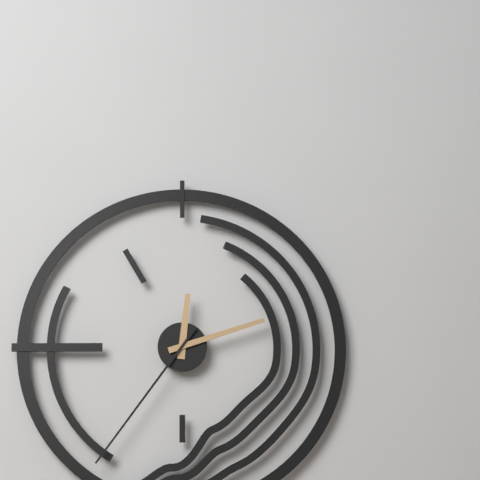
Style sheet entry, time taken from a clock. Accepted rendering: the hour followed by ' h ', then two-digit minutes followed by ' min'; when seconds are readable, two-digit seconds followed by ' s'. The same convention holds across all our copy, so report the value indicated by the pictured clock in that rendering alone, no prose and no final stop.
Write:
12 h 12 min 36 s
